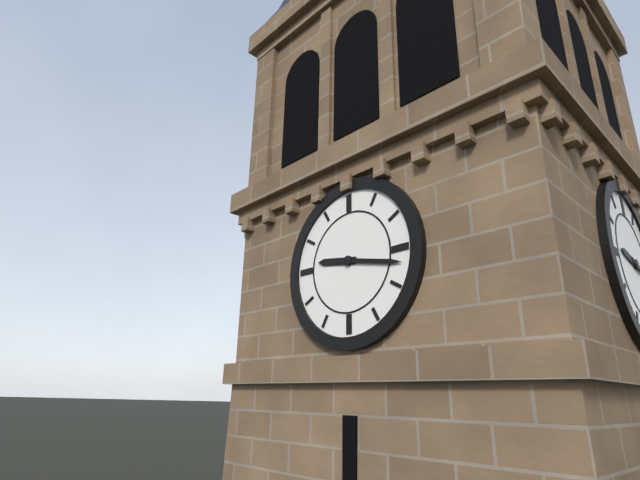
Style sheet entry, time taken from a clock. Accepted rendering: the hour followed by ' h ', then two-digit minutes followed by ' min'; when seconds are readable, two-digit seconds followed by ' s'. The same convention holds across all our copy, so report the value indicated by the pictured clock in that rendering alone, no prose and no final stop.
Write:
9 h 17 min
